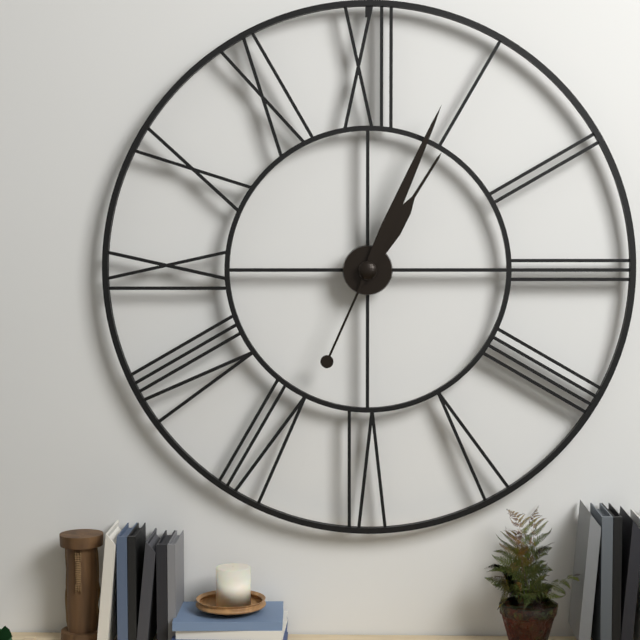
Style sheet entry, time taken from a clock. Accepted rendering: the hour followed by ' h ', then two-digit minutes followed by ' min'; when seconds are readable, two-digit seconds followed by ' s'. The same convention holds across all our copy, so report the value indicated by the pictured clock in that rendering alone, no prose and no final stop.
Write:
1 h 04 min
